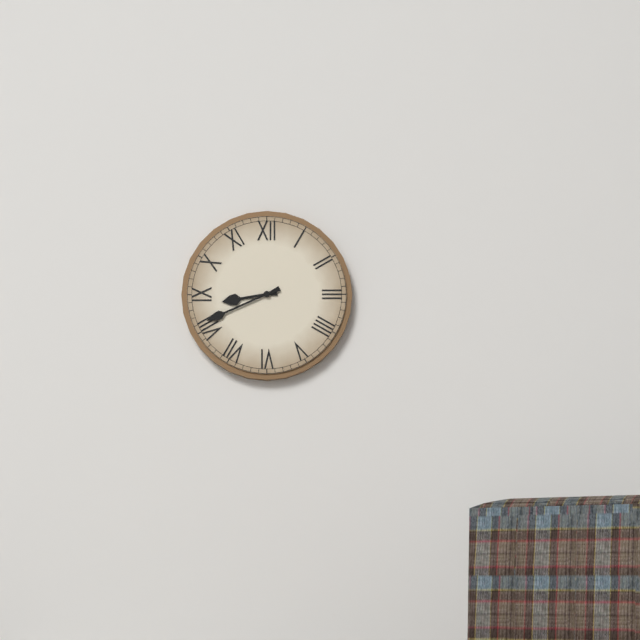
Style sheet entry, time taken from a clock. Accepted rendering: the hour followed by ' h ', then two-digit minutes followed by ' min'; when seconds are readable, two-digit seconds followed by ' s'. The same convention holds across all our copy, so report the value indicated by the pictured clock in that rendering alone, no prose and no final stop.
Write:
8 h 41 min
